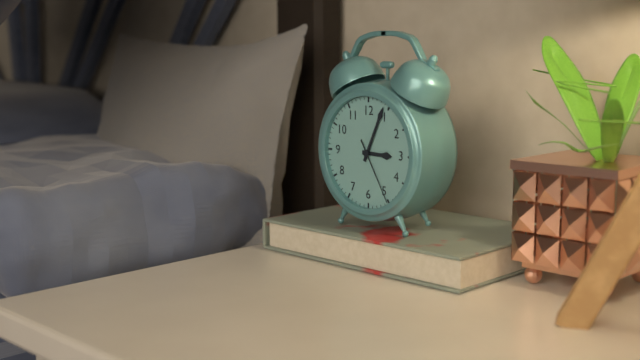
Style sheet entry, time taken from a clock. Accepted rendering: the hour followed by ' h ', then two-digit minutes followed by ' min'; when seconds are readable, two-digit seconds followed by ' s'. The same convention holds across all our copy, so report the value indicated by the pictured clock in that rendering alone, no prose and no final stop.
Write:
3 h 04 min 25 s
